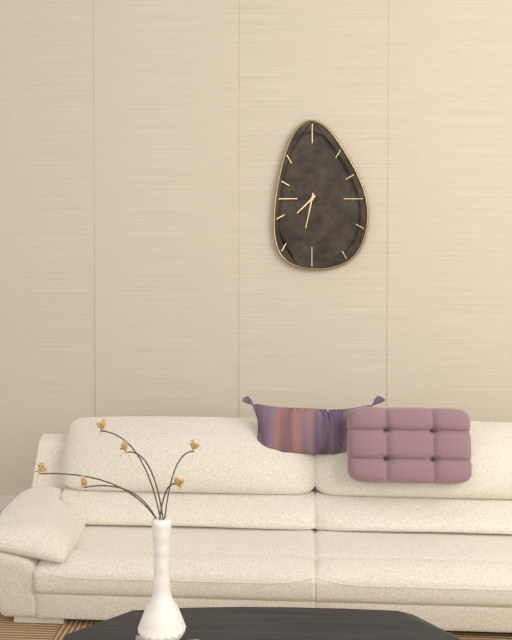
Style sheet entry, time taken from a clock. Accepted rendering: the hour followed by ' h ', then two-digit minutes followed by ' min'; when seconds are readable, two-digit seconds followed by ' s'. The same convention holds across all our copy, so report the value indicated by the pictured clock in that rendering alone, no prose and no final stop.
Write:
7 h 32 min
